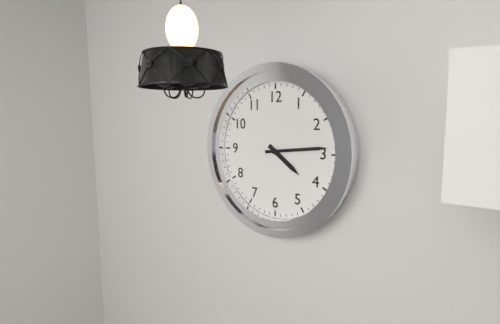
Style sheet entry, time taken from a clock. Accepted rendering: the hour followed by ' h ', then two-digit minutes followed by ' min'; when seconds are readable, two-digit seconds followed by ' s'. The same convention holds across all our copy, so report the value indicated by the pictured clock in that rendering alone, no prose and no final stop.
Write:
4 h 14 min
